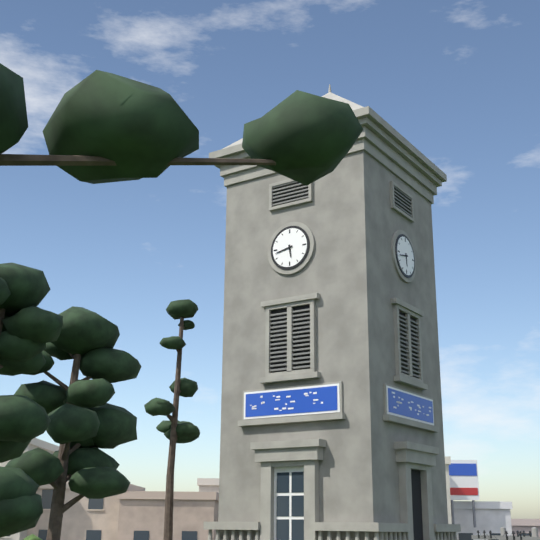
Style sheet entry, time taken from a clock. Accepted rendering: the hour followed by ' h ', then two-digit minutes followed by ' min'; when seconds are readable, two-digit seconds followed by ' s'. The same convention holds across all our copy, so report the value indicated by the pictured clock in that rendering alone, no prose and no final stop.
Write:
5 h 43 min
